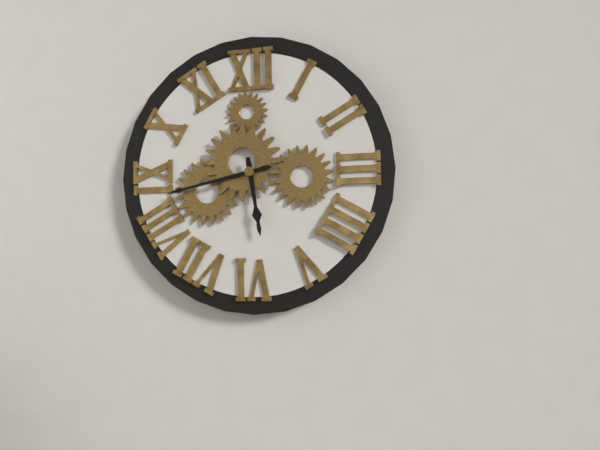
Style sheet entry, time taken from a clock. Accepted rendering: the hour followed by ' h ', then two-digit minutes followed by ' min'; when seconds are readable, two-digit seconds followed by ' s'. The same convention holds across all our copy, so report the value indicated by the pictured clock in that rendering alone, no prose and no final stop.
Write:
5 h 43 min
